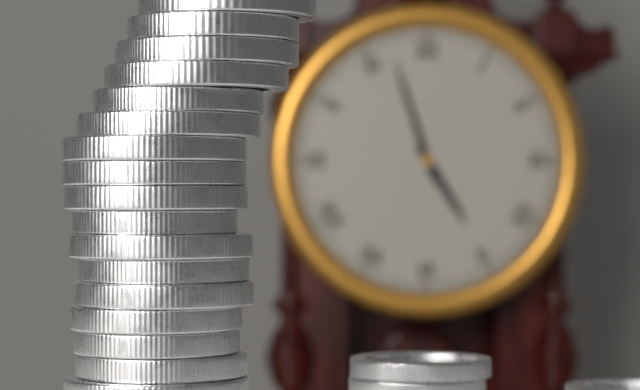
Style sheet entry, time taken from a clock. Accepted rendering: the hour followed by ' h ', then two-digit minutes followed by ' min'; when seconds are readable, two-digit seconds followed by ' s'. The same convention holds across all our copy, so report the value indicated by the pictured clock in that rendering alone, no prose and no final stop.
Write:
4 h 57 min
